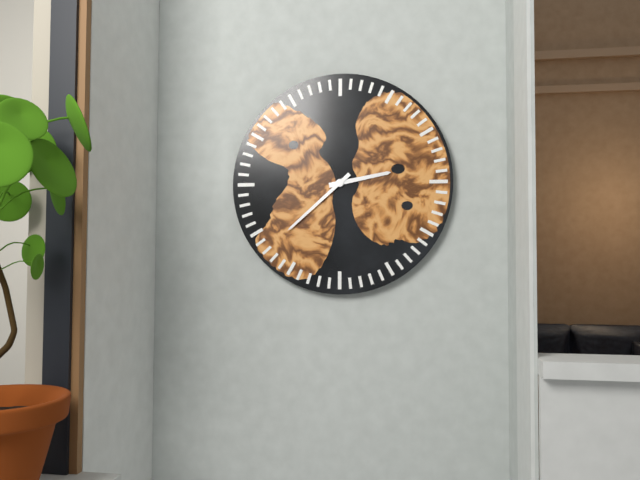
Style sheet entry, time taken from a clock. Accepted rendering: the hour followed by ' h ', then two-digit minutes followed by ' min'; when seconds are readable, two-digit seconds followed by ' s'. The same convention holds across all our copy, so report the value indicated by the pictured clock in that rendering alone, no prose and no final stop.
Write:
2 h 38 min
